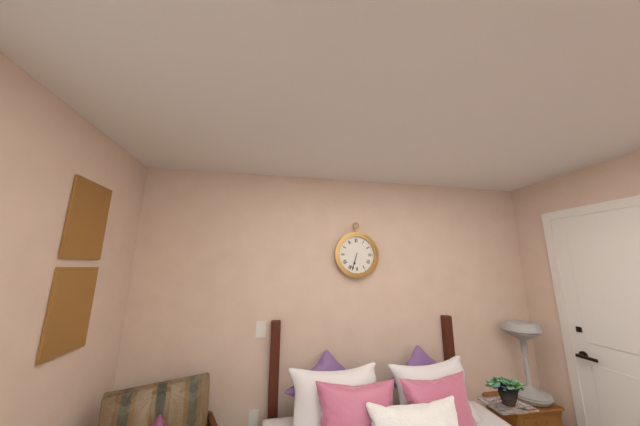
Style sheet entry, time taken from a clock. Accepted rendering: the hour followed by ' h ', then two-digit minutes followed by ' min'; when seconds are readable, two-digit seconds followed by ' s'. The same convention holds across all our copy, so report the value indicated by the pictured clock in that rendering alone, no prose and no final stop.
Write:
6 h 33 min
